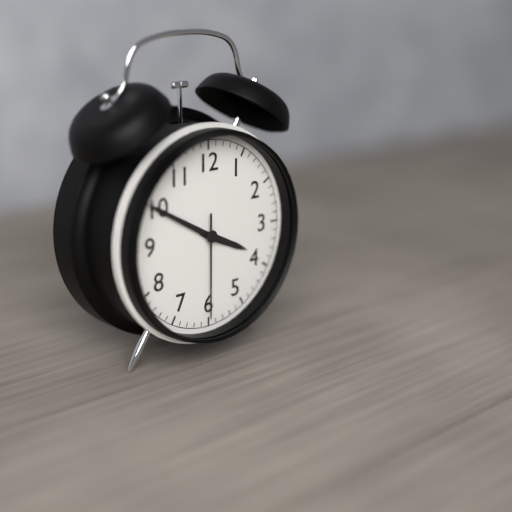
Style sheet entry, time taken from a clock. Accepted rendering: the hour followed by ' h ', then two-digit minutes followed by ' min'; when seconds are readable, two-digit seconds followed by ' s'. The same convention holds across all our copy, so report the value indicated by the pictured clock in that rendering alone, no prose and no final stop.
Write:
3 h 50 min 30 s
